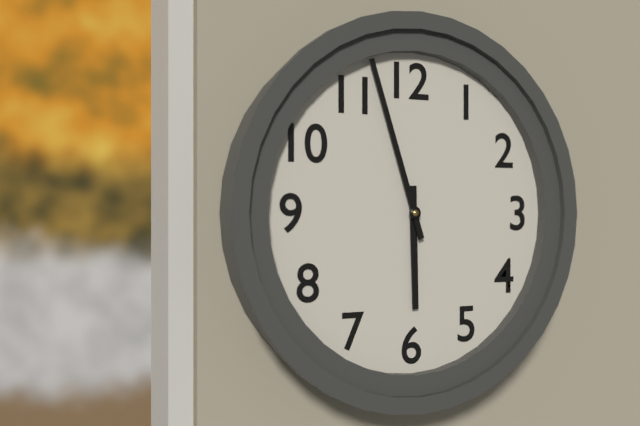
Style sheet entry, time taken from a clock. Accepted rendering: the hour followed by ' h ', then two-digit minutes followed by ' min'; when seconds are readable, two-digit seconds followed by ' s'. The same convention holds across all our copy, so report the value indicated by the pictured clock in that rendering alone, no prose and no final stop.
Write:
5 h 57 min
